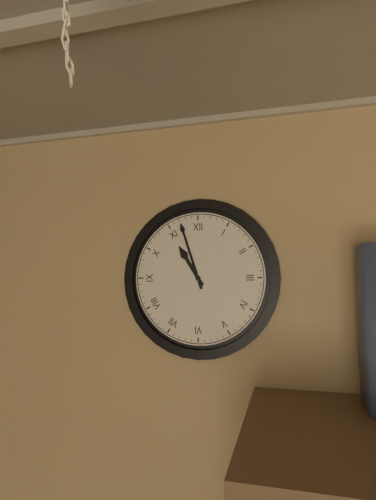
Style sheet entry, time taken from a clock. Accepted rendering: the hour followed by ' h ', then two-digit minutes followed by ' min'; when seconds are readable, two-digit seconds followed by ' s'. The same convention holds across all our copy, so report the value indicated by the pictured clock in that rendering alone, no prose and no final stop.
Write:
10 h 57 min
